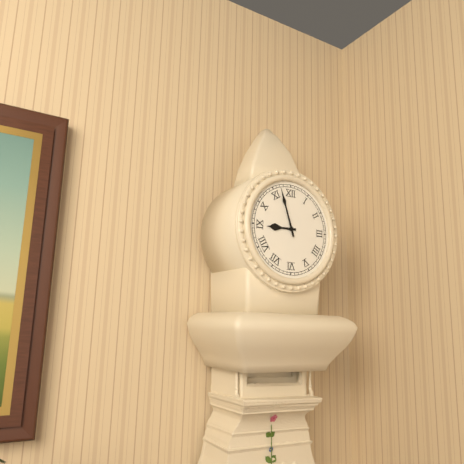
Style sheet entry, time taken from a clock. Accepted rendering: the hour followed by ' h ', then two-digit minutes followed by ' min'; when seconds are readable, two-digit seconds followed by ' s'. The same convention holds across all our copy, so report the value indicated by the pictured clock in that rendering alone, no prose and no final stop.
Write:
8 h 57 min
